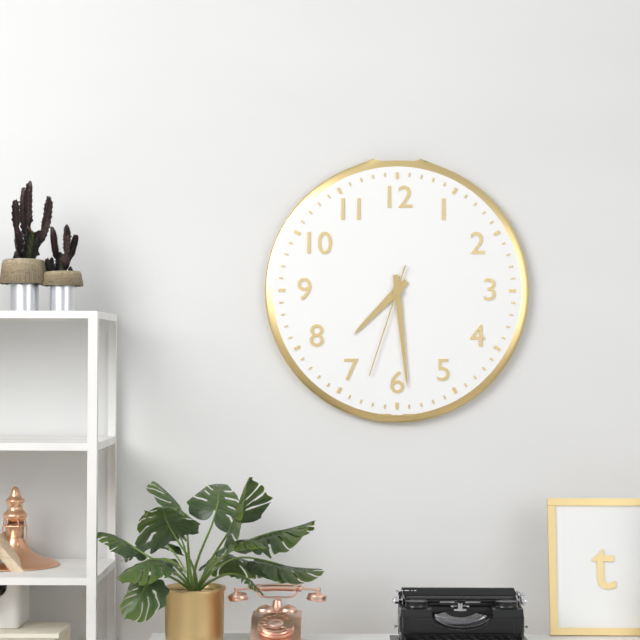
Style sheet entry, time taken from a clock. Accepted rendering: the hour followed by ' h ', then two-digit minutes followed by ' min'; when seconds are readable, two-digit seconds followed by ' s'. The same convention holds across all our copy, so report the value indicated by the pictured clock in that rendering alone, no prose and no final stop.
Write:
7 h 29 min 33 s
